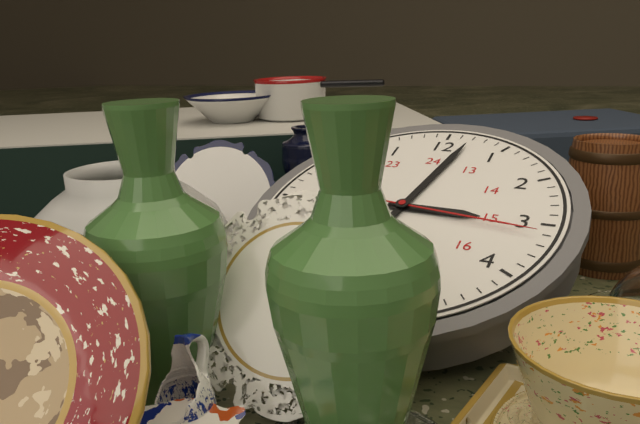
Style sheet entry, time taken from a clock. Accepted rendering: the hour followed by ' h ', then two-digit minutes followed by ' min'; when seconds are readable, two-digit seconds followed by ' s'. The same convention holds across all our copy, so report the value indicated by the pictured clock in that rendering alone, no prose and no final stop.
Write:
3 h 02 min 16 s
